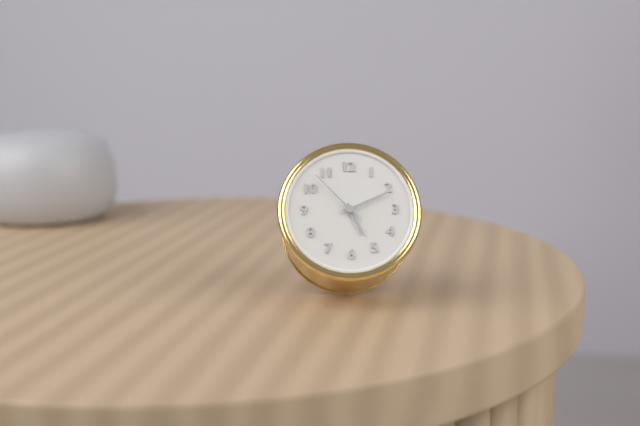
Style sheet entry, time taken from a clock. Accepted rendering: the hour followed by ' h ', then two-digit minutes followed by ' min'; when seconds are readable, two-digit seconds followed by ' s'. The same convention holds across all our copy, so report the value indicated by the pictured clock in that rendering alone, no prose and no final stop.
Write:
5 h 11 min 53 s
